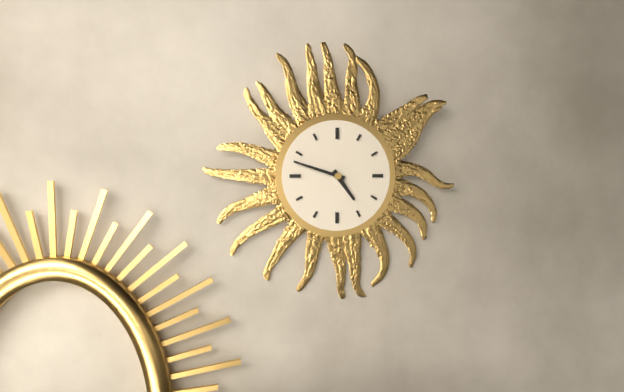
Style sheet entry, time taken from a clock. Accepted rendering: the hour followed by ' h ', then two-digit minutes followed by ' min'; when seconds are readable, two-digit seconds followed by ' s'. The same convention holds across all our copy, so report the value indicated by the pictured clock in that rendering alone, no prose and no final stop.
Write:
4 h 48 min
